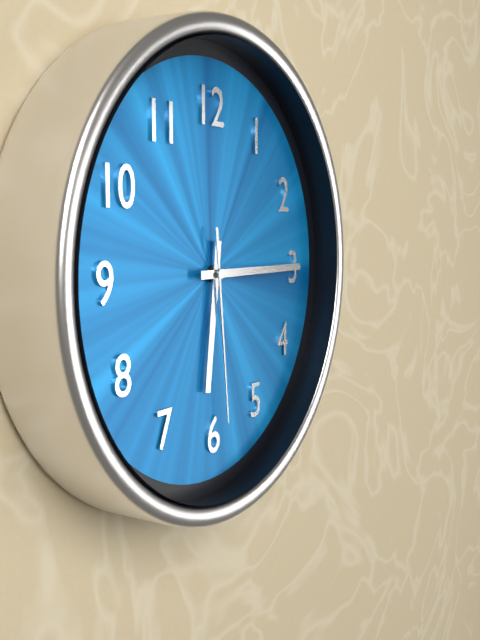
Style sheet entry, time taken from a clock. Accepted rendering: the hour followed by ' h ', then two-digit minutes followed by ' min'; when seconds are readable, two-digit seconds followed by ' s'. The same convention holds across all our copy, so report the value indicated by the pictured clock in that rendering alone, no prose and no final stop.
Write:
6 h 15 min 29 s
